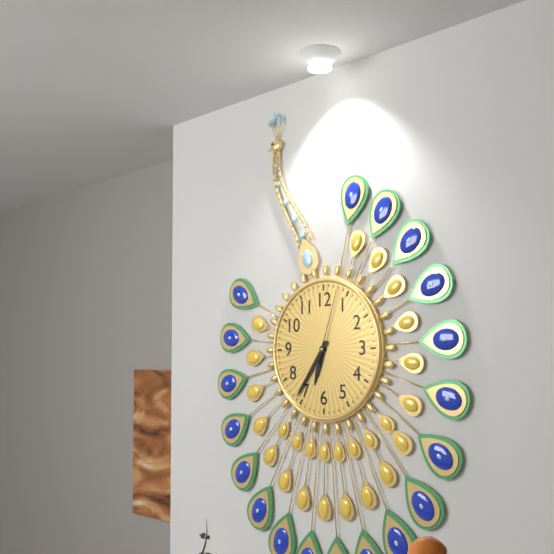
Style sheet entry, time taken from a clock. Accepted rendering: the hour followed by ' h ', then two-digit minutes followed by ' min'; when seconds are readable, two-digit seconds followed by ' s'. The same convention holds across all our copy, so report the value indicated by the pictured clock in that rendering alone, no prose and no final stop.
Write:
6 h 36 min 03 s
